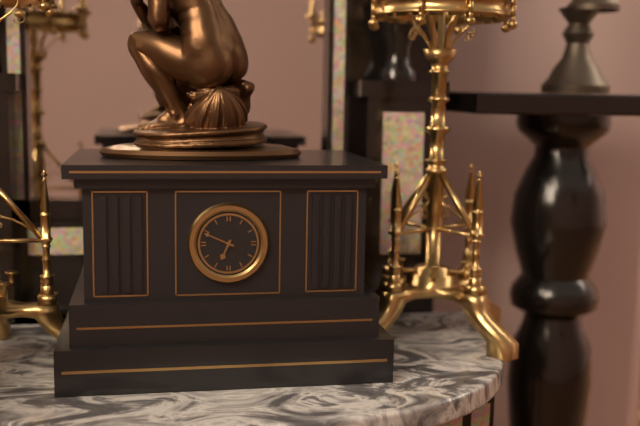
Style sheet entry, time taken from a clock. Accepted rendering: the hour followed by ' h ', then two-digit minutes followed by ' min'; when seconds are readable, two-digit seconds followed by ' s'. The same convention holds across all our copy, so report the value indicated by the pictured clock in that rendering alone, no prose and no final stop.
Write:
6 h 49 min
